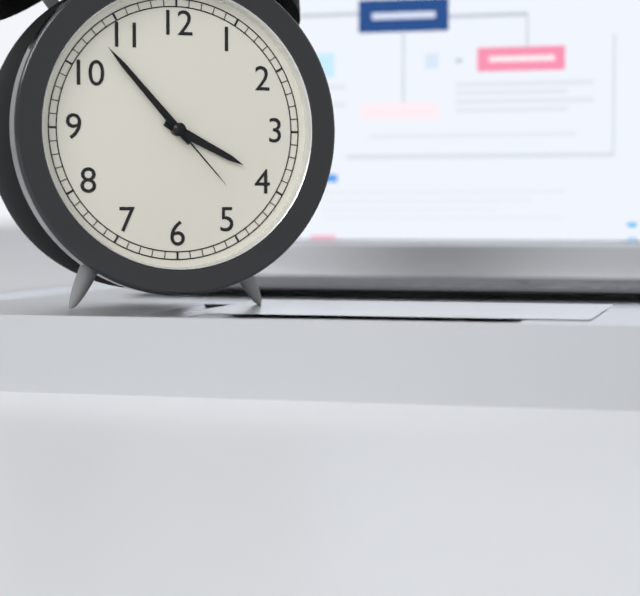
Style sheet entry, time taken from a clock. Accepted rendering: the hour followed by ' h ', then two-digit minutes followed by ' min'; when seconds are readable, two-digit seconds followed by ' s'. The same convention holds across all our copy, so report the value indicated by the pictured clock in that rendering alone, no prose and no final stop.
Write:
3 h 53 min 23 s
